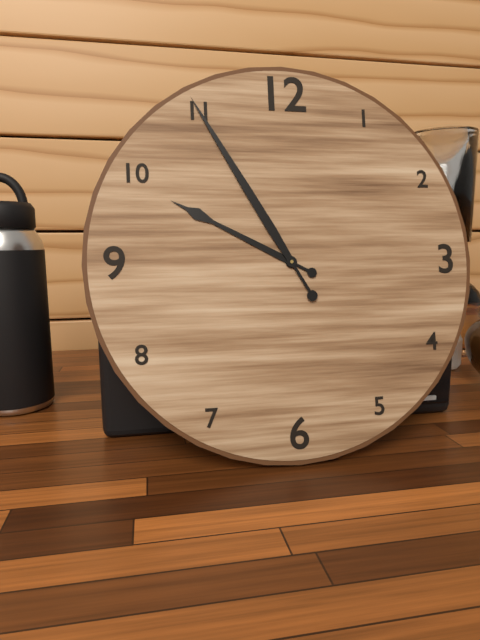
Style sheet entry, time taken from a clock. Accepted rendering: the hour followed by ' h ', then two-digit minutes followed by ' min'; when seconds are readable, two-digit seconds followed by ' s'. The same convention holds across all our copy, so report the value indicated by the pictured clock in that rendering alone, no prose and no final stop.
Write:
9 h 55 min
